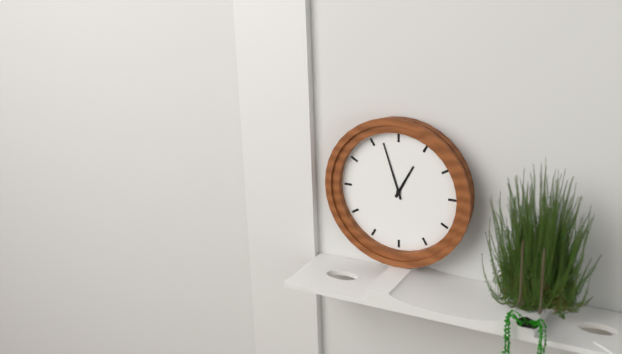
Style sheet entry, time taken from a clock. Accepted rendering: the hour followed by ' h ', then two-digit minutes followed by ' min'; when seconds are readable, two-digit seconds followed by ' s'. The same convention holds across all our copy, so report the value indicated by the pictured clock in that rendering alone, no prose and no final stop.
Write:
12 h 57 min
